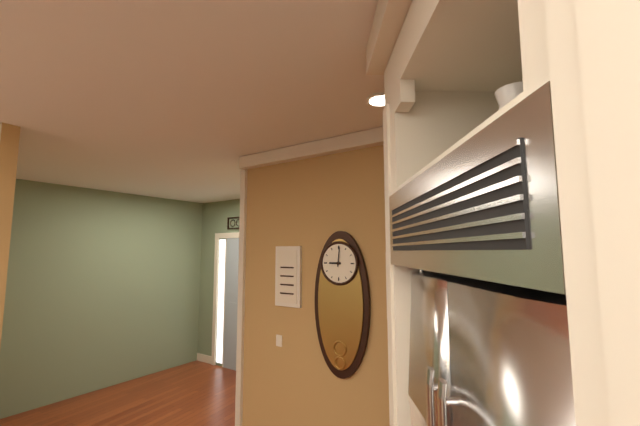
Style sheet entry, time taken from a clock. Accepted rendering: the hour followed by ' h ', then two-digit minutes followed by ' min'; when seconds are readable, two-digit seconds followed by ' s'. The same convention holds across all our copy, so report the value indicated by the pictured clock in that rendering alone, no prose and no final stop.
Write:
9 h 01 min
